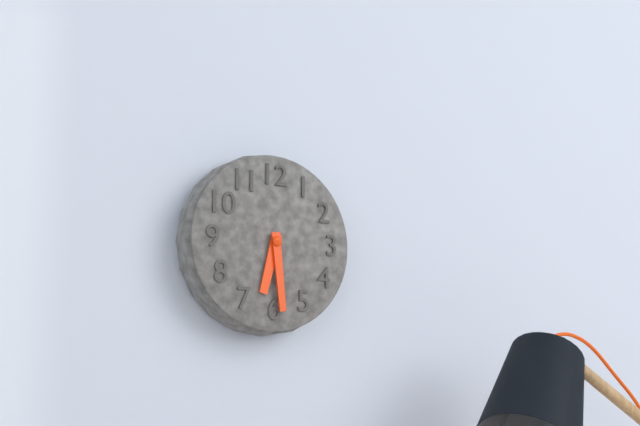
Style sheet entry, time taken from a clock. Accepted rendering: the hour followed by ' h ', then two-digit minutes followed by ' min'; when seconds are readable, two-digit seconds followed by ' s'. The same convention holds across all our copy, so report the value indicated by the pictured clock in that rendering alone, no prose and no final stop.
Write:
6 h 29 min
